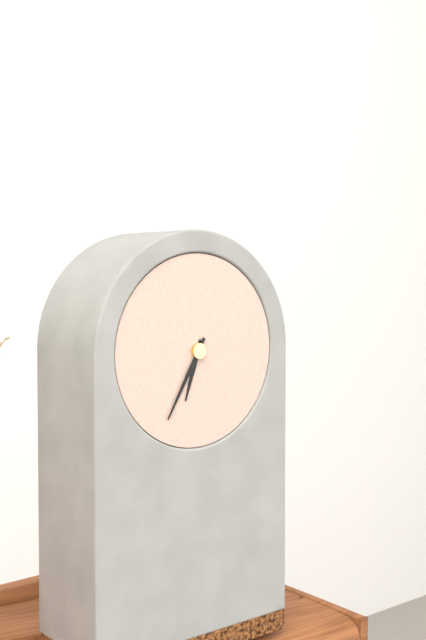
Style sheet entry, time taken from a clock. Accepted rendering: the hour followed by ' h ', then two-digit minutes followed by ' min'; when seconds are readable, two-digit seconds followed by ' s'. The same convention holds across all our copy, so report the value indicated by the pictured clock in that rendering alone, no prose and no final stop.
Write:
6 h 35 min
